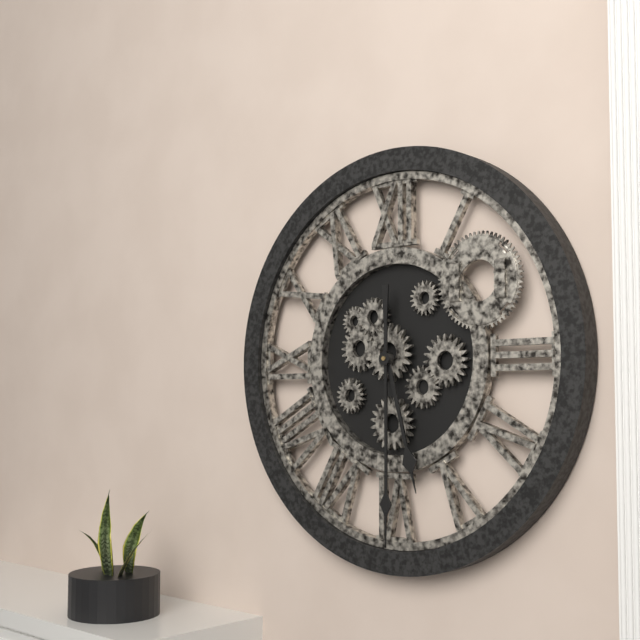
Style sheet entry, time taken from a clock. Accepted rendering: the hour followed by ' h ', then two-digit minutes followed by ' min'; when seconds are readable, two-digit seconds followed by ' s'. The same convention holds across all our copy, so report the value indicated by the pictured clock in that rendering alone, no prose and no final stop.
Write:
5 h 30 min
